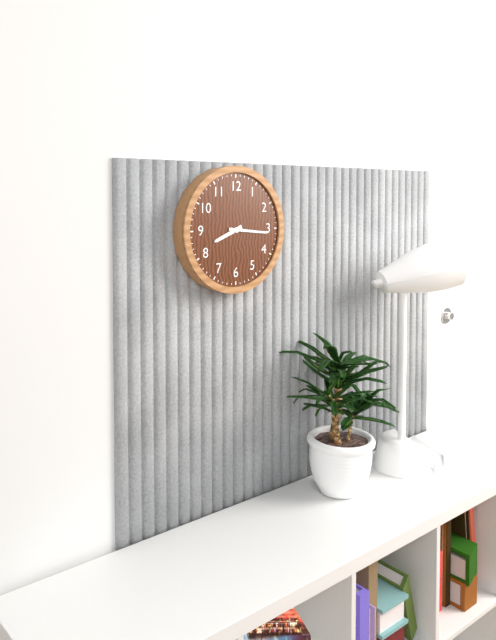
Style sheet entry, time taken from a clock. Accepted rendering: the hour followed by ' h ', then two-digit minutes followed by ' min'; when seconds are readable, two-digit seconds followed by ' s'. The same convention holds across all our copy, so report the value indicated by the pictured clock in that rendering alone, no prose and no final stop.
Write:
8 h 16 min
